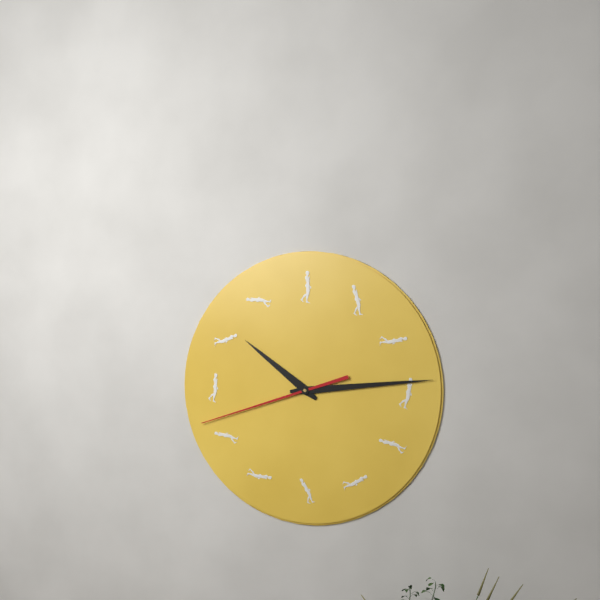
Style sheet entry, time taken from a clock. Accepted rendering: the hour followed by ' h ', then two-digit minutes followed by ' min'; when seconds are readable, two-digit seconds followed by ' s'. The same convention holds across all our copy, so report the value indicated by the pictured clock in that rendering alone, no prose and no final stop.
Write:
10 h 14 min 42 s
